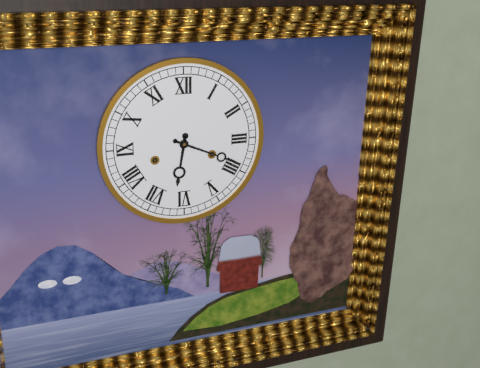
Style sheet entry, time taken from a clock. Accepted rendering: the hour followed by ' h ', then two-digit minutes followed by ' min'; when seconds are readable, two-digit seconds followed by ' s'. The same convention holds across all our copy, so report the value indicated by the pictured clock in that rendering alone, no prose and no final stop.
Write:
6 h 19 min
